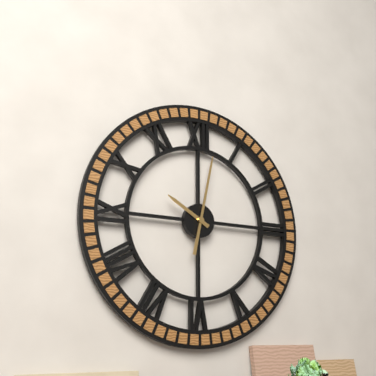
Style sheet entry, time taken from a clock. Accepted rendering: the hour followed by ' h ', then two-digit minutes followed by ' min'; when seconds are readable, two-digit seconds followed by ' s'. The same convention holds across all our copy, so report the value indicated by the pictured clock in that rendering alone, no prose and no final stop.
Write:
10 h 02 min
